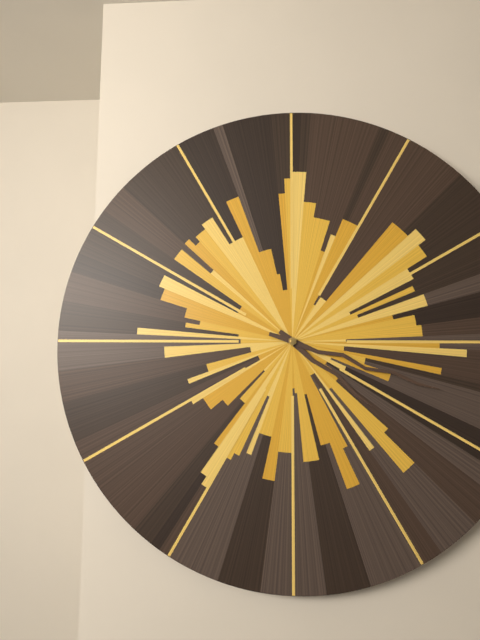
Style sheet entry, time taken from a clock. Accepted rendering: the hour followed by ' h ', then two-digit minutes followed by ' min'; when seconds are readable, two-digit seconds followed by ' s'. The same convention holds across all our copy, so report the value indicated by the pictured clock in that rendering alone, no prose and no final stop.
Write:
4 h 18 min
